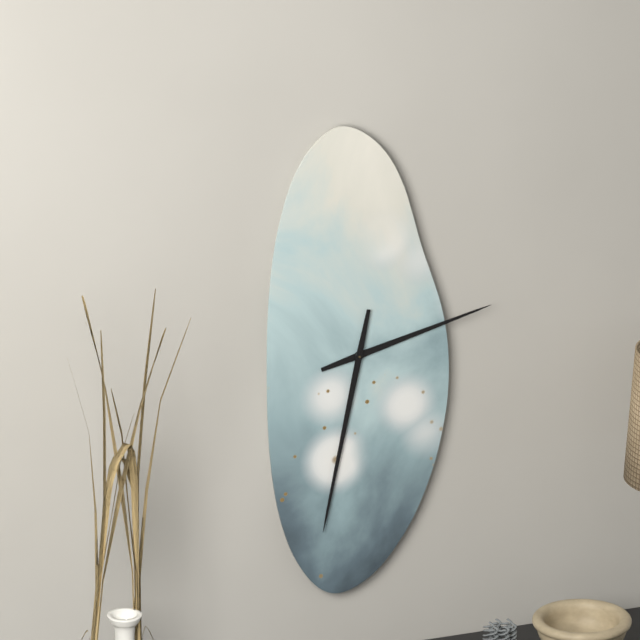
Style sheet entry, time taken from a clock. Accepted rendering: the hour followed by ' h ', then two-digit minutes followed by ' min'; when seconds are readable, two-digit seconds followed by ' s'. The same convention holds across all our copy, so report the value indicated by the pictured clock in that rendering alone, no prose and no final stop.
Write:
2 h 32 min
